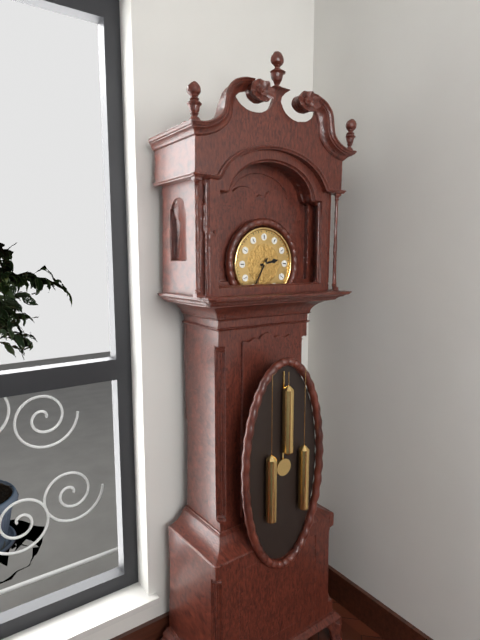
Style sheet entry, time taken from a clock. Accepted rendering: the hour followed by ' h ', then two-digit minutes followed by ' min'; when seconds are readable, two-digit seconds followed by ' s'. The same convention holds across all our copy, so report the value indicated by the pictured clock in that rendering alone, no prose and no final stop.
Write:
2 h 35 min
